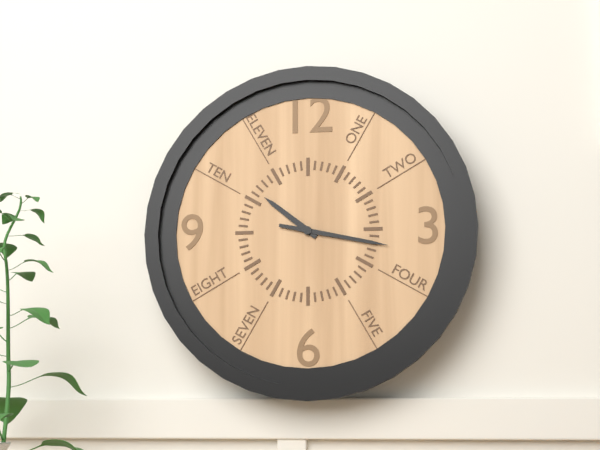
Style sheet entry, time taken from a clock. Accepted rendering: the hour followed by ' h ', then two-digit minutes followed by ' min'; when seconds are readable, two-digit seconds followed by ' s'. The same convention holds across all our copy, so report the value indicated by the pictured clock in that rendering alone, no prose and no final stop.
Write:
10 h 17 min
